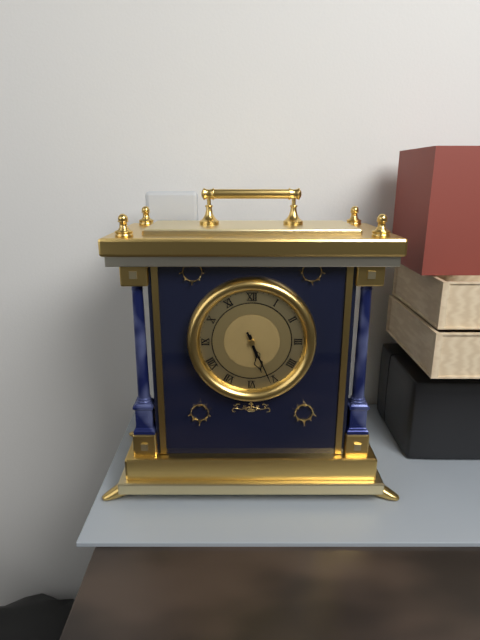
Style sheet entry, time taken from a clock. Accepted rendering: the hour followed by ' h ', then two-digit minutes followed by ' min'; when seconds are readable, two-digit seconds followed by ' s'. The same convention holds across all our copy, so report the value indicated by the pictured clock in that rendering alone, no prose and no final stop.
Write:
5 h 26 min
